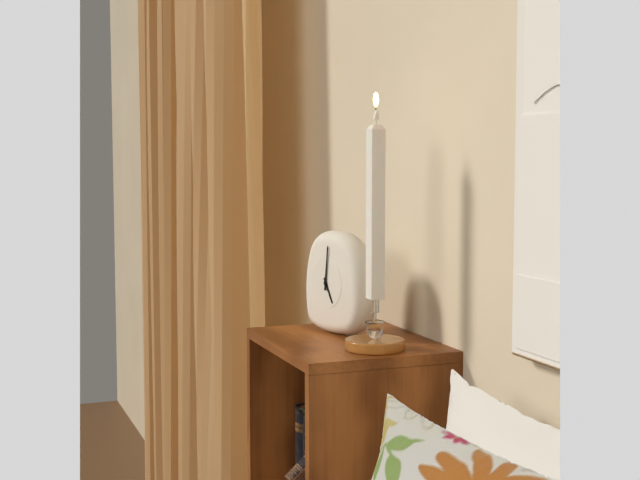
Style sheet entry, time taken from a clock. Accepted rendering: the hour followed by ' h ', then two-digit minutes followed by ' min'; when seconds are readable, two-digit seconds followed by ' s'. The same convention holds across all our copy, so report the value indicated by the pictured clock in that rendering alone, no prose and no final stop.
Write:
5 h 01 min
